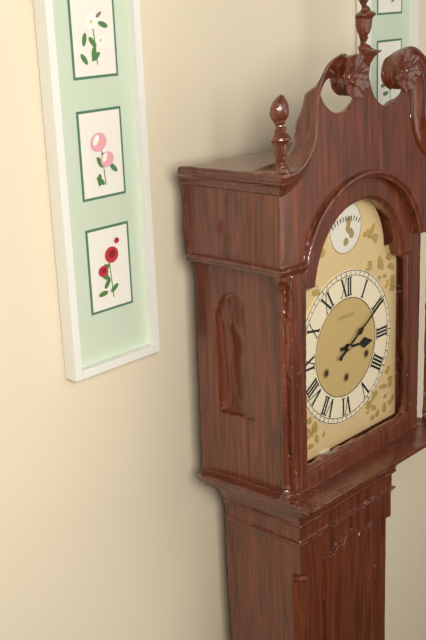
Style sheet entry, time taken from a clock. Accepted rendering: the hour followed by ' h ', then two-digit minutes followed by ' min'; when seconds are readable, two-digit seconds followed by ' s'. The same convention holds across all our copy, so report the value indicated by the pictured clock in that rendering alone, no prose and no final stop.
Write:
3 h 10 min
